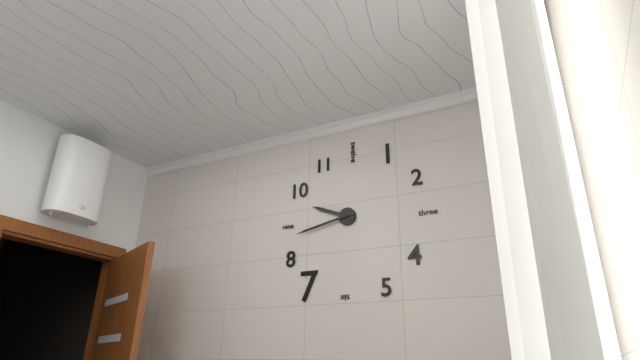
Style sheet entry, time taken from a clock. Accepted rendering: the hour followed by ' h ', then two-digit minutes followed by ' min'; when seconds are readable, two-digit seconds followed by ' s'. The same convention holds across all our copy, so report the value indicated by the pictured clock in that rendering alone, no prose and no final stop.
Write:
9 h 43 min
